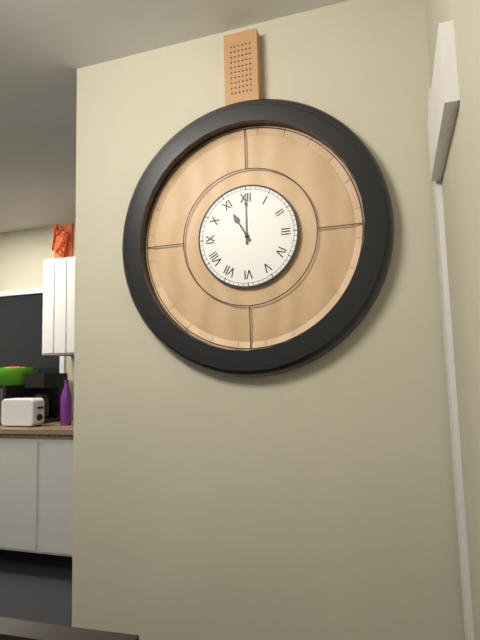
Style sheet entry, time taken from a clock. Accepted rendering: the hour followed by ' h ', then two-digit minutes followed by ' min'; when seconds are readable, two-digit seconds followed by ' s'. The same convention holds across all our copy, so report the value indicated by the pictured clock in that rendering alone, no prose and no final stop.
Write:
11 h 00 min
